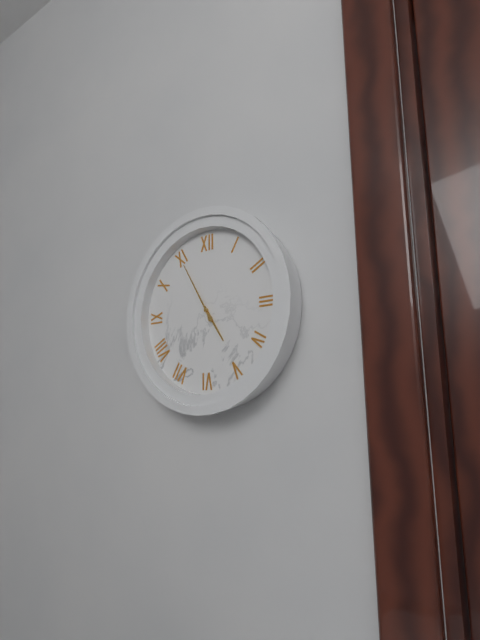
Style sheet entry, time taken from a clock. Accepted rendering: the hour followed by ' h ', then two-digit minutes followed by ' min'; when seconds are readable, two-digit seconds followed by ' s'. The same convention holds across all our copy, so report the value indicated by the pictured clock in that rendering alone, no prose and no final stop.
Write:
4 h 55 min
